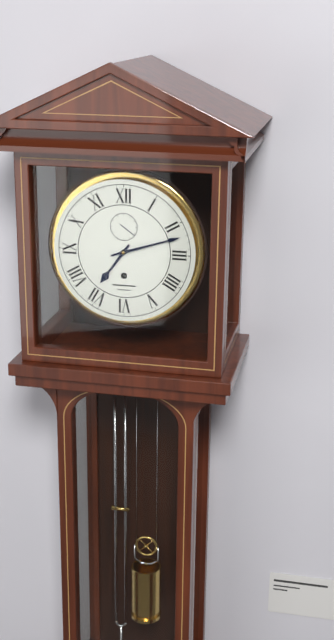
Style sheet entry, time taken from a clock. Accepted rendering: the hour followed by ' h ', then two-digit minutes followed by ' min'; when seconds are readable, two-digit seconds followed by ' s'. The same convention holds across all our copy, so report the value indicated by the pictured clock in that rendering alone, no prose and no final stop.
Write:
7 h 12 min
